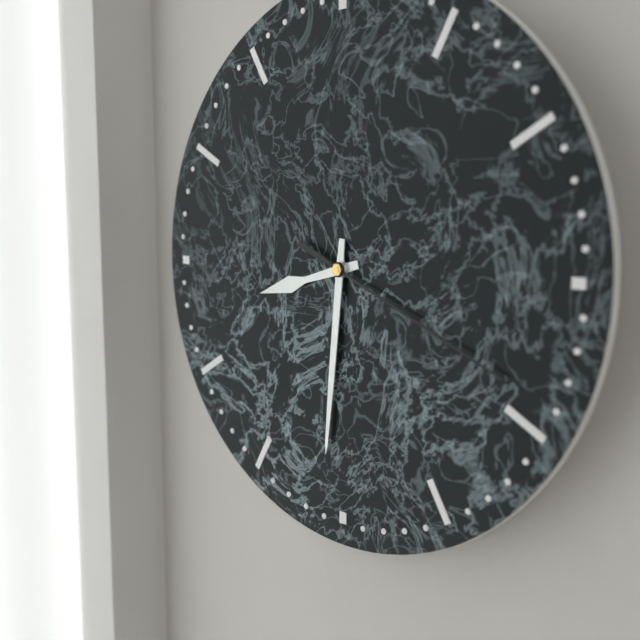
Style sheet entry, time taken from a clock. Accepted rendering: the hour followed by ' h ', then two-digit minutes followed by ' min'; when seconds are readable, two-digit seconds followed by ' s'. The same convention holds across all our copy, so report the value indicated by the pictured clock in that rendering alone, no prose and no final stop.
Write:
8 h 31 min 19 s
